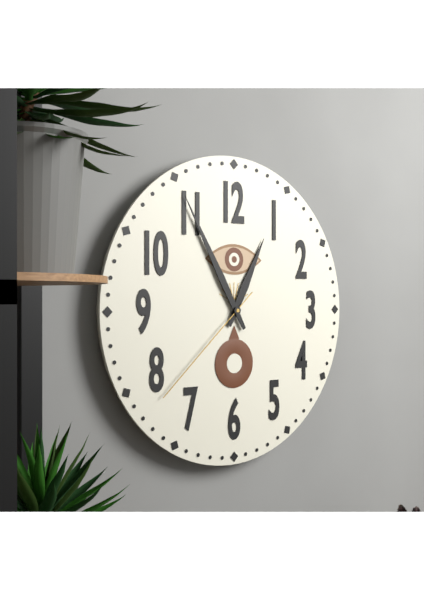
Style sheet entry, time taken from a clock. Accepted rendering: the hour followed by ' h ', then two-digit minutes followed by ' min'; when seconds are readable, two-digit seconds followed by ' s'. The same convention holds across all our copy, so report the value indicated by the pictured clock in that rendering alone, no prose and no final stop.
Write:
12 h 55 min 38 s
